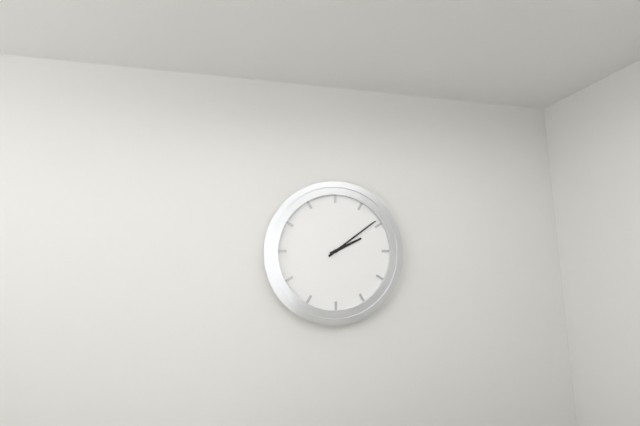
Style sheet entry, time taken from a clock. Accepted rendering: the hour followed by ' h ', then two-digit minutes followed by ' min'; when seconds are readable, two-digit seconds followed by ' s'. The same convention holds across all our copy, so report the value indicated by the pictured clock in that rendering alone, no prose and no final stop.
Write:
2 h 09 min
